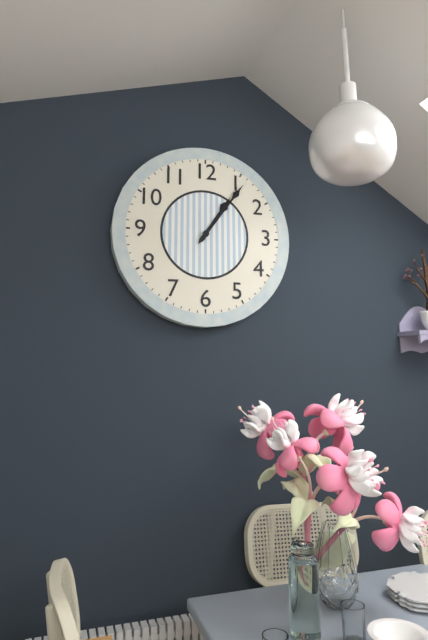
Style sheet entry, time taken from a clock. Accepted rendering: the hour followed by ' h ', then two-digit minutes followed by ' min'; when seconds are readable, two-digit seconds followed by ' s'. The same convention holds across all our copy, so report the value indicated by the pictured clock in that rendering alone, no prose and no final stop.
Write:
1 h 06 min
